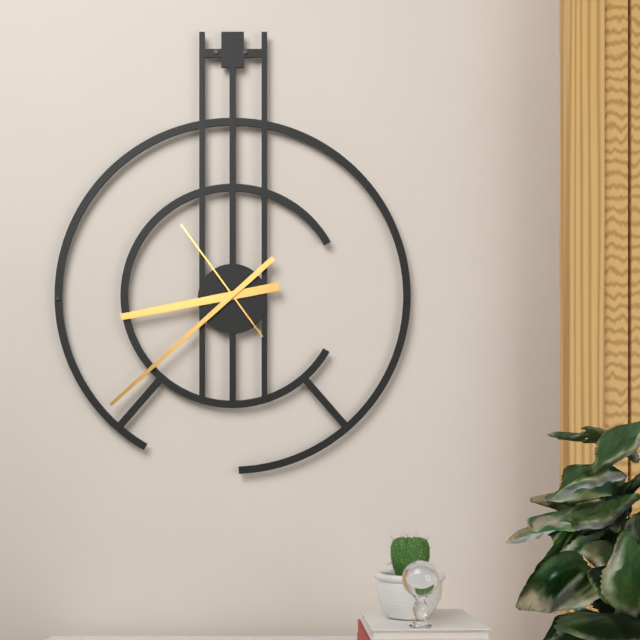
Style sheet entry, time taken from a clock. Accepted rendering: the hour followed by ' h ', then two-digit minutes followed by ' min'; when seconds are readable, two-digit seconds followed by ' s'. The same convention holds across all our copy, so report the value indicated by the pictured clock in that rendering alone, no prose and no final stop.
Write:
8 h 38 min 54 s
